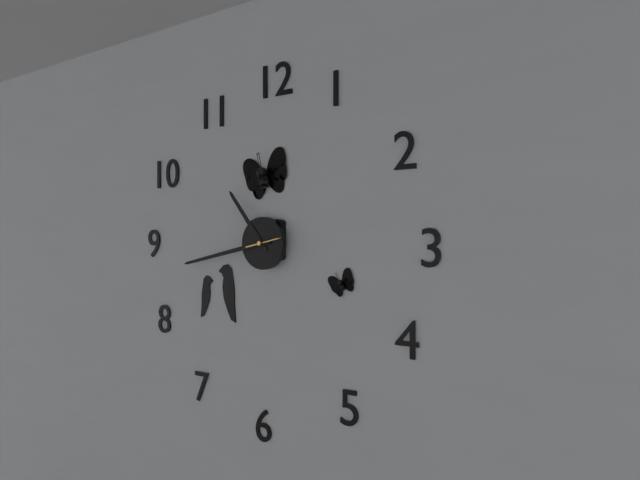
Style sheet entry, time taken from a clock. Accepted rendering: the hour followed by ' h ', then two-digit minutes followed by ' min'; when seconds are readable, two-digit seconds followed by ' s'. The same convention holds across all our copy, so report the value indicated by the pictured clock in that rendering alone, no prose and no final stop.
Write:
10 h 43 min
